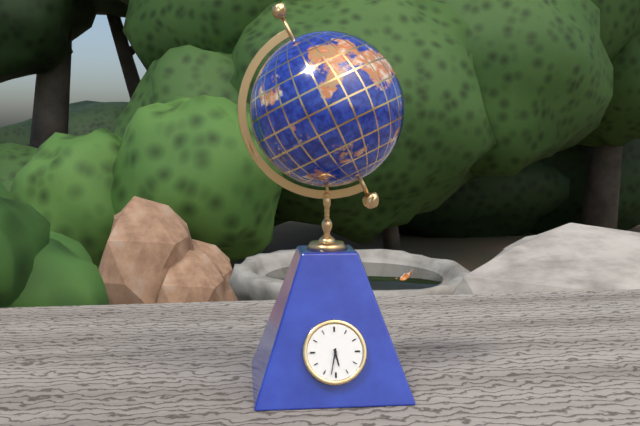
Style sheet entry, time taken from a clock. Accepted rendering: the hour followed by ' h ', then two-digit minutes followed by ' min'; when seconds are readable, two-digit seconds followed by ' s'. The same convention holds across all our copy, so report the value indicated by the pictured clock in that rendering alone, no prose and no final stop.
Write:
5 h 32 min
